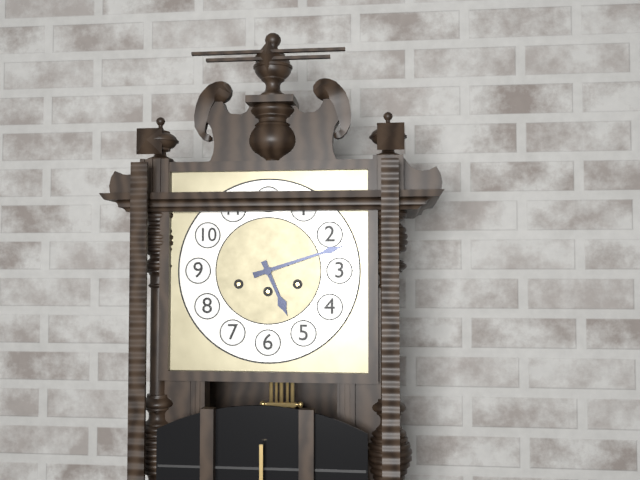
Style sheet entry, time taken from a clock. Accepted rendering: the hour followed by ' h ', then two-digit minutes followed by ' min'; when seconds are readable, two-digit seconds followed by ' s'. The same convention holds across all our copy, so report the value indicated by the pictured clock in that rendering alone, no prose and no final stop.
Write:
5 h 12 min
